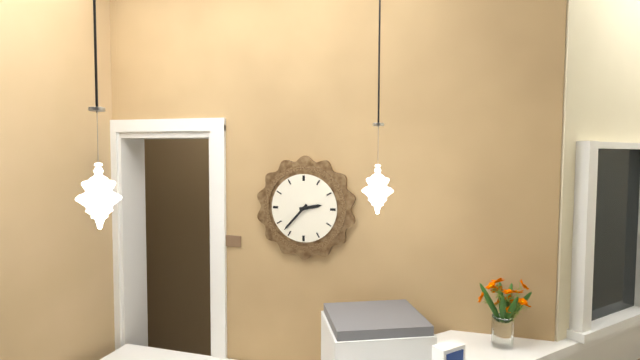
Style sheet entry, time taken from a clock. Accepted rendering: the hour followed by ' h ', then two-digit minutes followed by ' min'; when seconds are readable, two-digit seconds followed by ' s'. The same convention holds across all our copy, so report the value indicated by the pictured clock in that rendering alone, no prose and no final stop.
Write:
2 h 37 min
